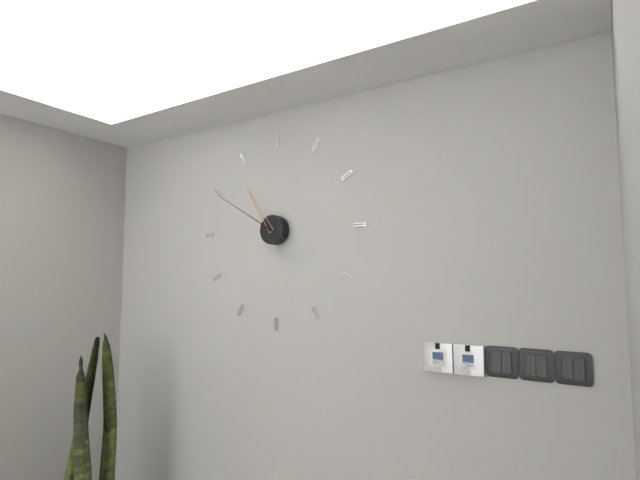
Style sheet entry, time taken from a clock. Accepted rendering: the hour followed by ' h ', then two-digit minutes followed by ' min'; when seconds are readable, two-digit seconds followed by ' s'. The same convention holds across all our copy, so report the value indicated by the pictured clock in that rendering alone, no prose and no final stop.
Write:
10 h 50 min
